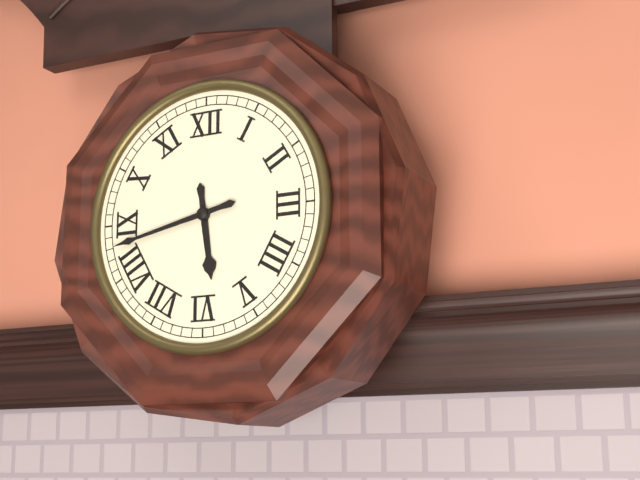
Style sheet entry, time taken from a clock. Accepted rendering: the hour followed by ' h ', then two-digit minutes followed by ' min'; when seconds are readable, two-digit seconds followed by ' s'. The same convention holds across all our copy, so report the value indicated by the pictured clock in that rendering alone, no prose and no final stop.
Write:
5 h 43 min
